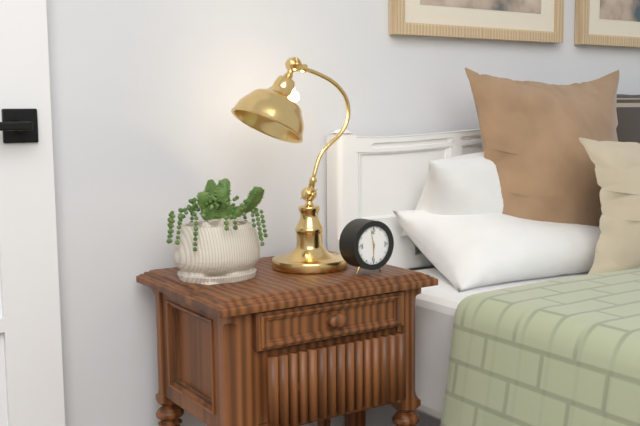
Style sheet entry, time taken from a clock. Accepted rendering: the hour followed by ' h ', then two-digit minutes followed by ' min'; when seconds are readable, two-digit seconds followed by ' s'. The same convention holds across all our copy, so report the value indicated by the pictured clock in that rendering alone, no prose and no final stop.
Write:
5 h 58 min
